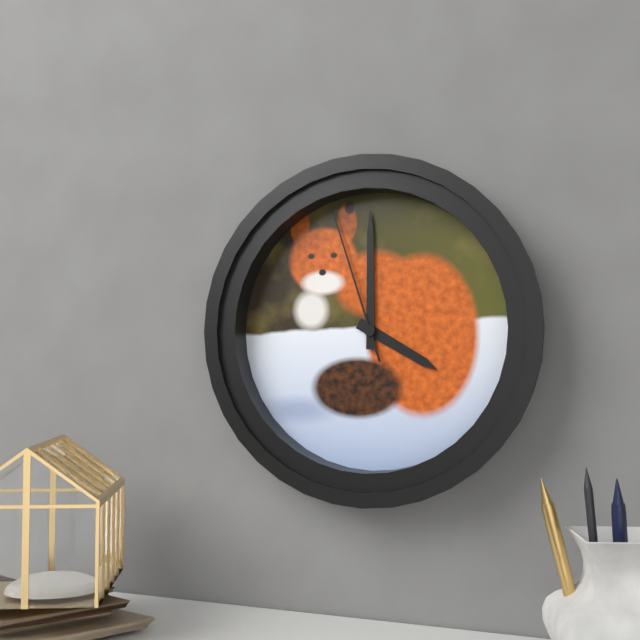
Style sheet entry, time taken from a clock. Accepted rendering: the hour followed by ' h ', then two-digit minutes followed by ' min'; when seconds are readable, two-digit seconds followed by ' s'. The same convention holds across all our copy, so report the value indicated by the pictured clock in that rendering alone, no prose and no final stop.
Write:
4 h 00 min 57 s
